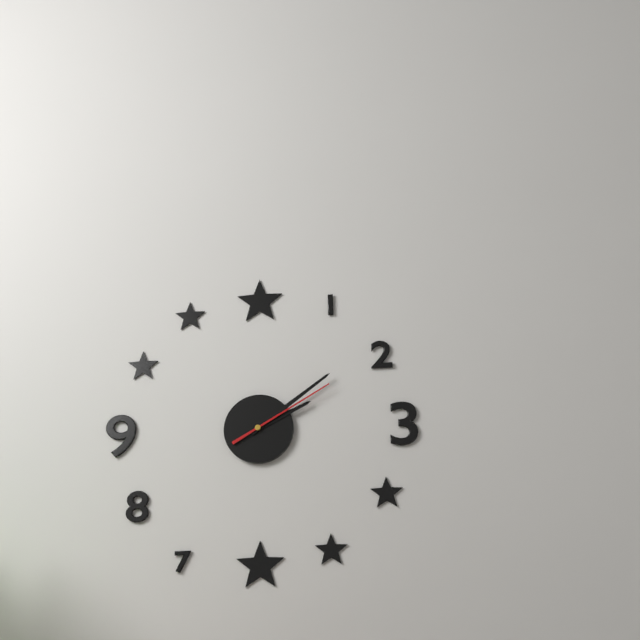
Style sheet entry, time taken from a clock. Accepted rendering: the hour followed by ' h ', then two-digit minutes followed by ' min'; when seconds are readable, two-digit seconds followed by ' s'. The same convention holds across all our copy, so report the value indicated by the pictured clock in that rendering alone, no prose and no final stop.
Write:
2 h 09 min 10 s
